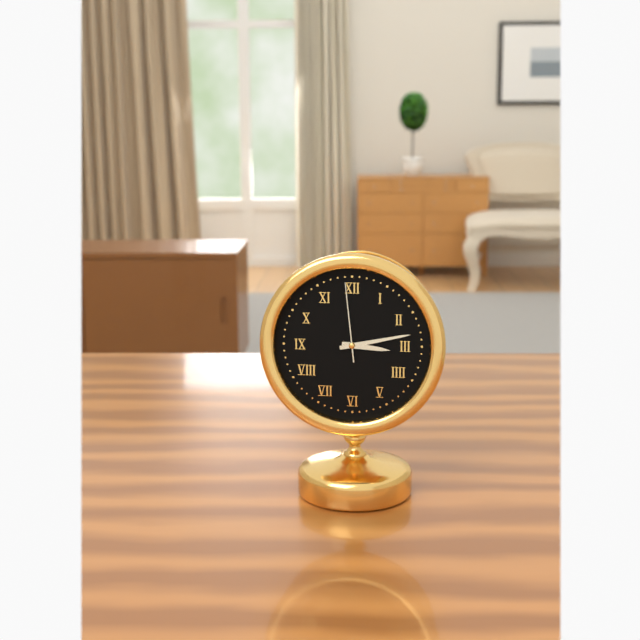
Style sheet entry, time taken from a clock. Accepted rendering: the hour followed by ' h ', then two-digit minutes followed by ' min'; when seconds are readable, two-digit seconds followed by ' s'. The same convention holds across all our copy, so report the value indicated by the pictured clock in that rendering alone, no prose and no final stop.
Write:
3 h 13 min 59 s
